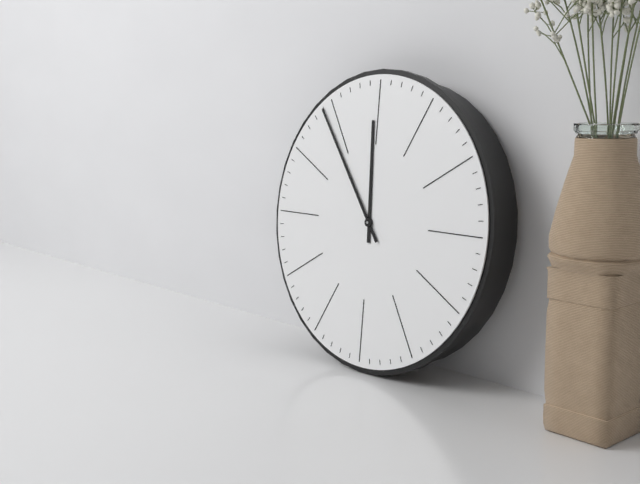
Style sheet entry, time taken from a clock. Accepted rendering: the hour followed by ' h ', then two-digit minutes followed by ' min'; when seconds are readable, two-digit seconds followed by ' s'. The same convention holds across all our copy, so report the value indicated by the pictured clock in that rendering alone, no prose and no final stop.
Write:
11 h 54 min
